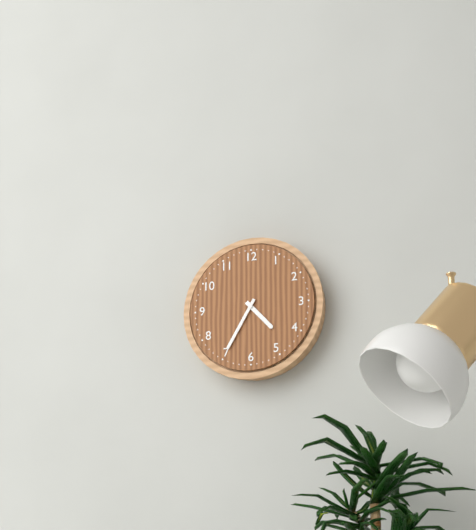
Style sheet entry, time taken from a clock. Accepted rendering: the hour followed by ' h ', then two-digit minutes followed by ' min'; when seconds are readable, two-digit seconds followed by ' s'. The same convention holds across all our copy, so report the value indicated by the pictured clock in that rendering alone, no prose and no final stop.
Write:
4 h 35 min
